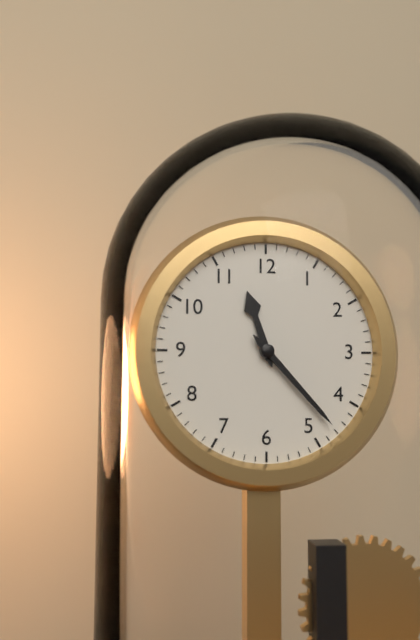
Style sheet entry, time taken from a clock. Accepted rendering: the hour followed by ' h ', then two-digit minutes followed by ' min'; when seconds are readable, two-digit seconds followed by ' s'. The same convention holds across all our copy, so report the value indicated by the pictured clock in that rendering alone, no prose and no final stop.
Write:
11 h 23 min
